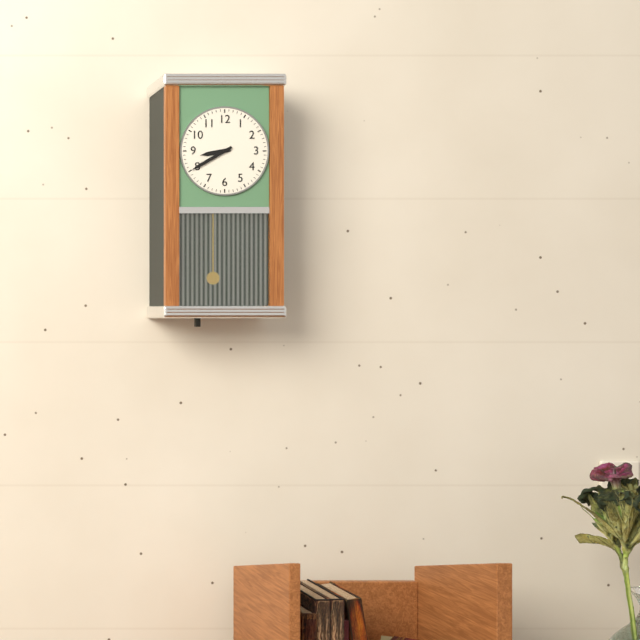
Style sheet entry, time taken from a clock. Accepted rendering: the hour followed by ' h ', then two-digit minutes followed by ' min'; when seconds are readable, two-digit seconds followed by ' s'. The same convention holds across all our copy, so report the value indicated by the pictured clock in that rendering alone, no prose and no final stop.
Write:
8 h 40 min
